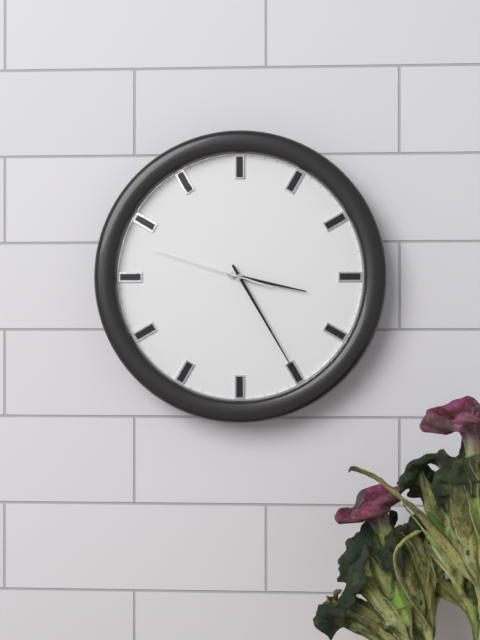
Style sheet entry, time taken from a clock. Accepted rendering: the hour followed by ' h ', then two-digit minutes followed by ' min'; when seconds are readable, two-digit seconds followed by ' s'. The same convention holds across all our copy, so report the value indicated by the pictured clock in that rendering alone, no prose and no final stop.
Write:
3 h 25 min 48 s
